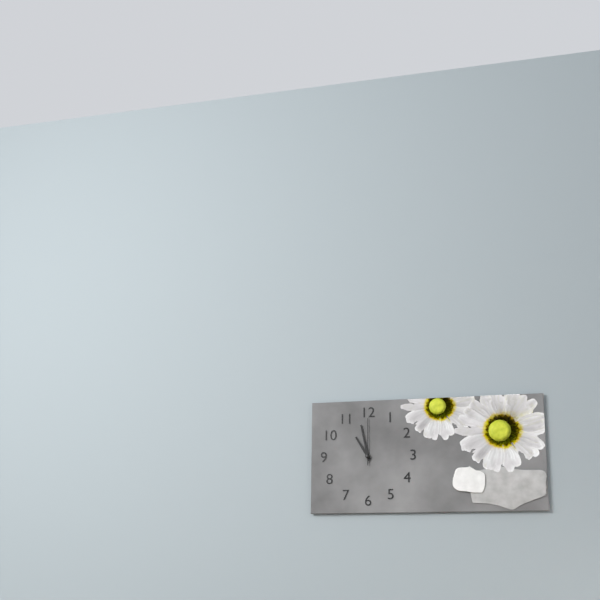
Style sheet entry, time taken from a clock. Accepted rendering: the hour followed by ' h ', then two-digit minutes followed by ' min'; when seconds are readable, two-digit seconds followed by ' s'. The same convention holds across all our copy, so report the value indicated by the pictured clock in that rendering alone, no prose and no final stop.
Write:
10 h 58 min
